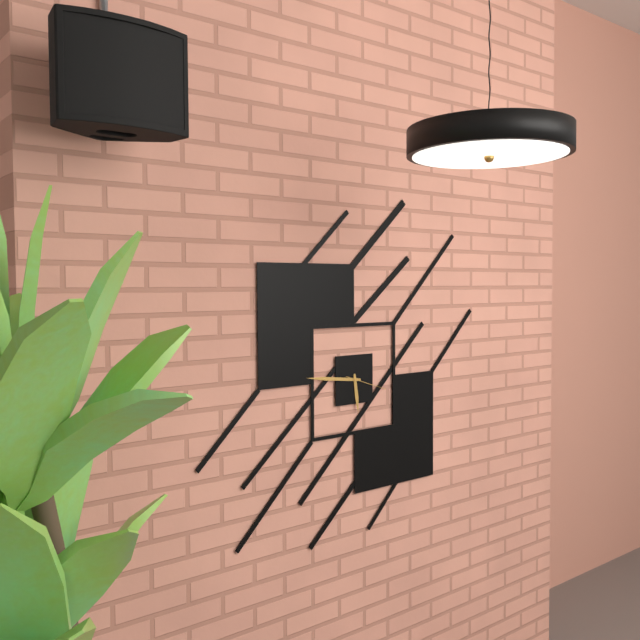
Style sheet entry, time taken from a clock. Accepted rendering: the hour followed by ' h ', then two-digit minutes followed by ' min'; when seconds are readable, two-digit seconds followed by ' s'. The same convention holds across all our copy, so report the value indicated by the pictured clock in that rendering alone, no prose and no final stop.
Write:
5 h 46 min
